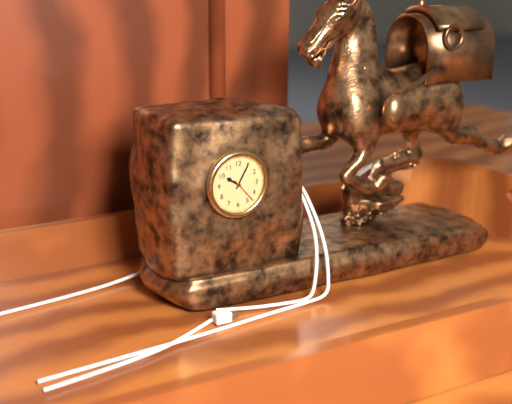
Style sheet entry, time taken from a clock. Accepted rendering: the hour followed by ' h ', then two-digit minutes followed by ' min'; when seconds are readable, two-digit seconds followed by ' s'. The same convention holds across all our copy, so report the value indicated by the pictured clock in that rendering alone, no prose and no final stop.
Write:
10 h 05 min
